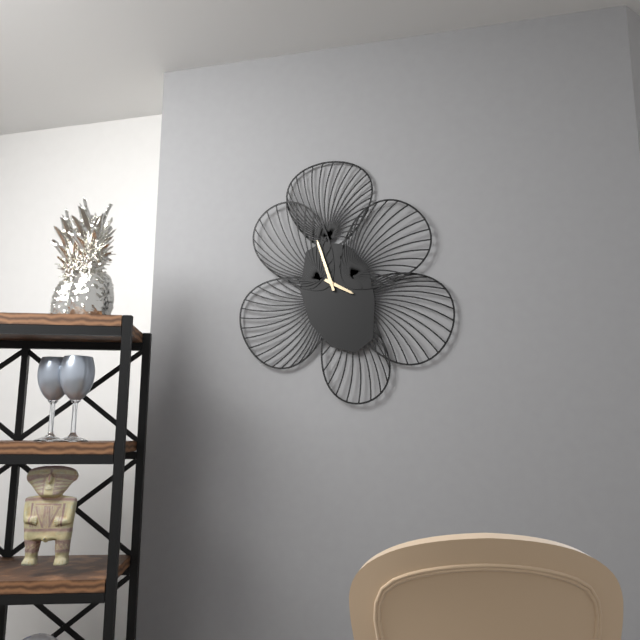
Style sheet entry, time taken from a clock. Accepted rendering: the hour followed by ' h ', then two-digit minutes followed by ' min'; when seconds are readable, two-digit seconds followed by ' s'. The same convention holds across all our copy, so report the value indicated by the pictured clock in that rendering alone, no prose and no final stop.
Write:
3 h 57 min
